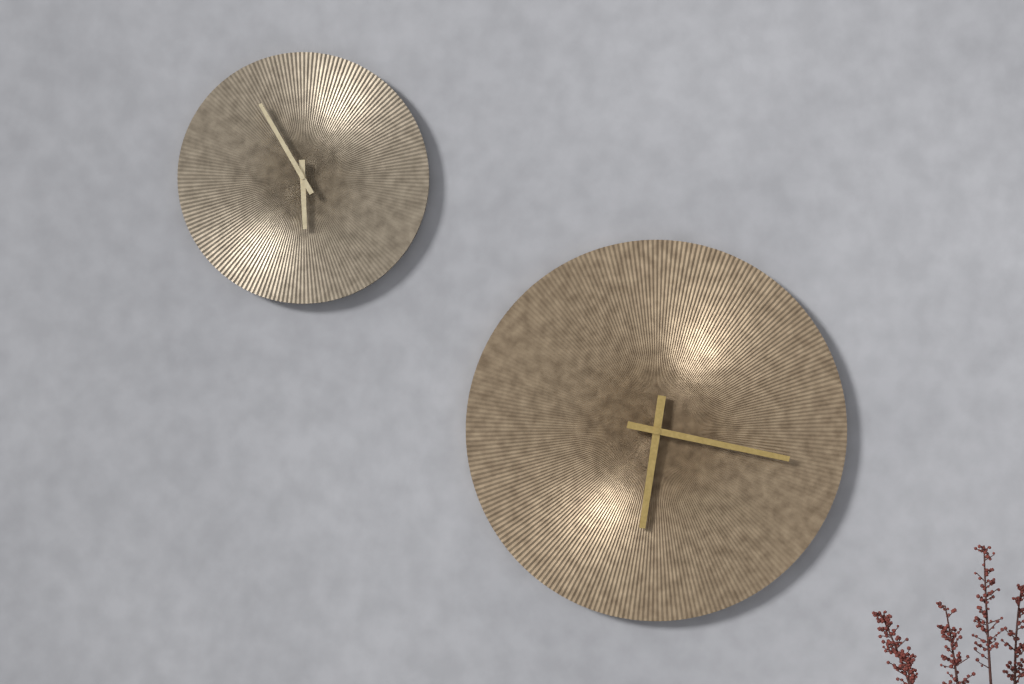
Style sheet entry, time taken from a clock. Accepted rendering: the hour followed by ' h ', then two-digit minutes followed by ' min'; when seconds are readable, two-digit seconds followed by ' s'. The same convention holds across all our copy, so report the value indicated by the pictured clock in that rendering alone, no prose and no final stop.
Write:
6 h 17 min
